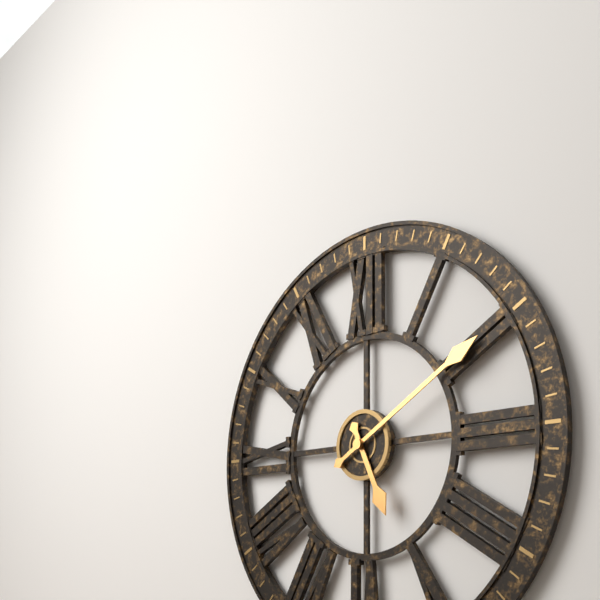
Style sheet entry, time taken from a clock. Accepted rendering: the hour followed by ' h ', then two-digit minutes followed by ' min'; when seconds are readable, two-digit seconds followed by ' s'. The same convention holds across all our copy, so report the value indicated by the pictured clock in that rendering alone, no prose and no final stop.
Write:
5 h 10 min
